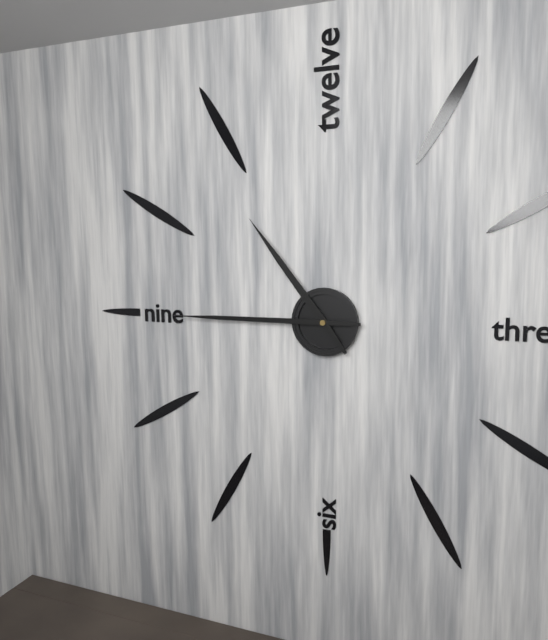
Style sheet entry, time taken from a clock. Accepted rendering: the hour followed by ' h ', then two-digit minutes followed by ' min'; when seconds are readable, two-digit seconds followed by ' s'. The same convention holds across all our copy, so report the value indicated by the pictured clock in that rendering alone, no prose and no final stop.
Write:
10 h 45 min
